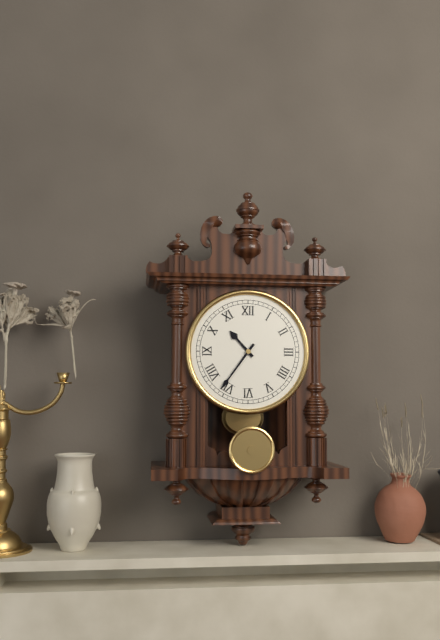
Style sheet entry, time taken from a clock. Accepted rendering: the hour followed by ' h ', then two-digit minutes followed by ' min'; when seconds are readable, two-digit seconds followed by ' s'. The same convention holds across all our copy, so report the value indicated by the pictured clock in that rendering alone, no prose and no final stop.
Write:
10 h 36 min
